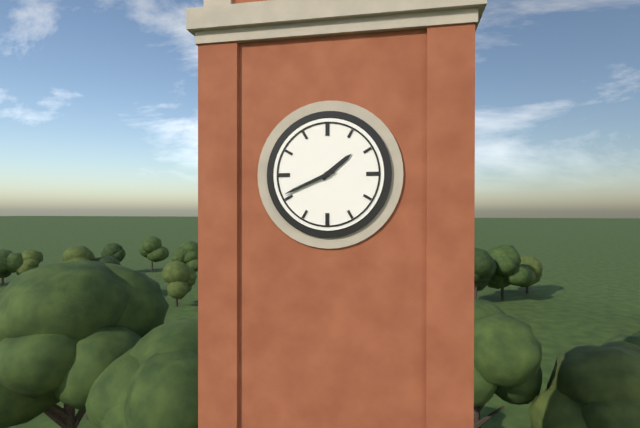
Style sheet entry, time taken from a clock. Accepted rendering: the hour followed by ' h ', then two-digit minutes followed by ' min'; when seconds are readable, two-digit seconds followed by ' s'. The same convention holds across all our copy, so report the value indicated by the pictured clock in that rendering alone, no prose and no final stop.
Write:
1 h 41 min
